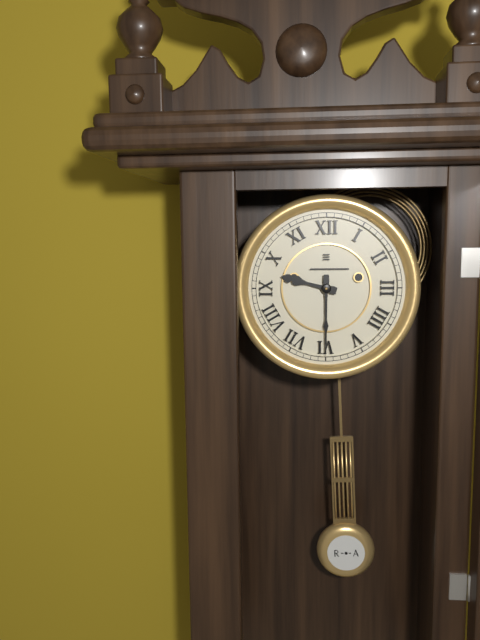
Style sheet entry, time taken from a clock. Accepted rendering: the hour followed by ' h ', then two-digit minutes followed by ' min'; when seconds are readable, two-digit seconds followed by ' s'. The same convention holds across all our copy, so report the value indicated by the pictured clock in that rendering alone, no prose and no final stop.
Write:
9 h 30 min
